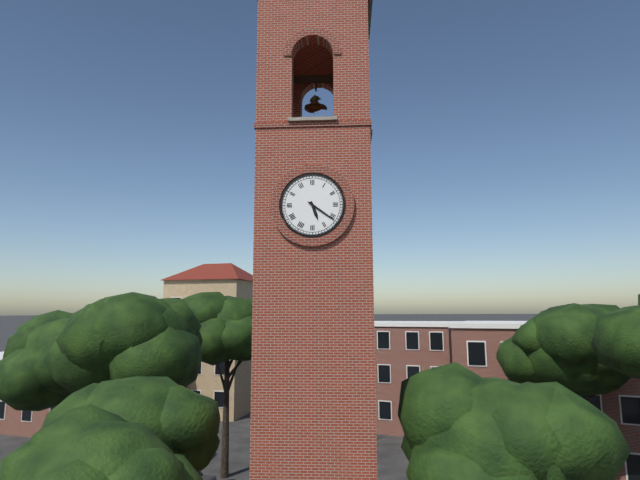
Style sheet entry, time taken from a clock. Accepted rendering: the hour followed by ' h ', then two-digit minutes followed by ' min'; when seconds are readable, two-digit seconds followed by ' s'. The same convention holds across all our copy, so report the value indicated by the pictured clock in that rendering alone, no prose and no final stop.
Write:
5 h 21 min
